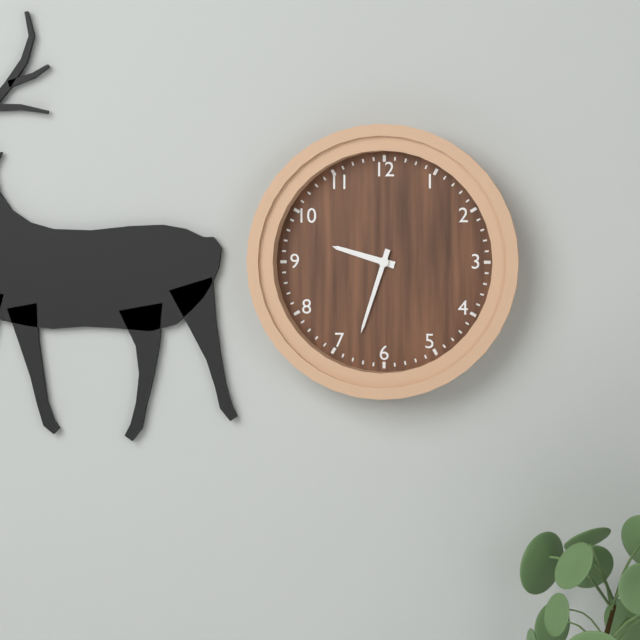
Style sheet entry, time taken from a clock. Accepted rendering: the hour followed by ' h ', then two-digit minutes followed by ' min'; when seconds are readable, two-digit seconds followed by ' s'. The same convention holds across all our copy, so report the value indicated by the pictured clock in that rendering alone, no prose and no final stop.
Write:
9 h 33 min
